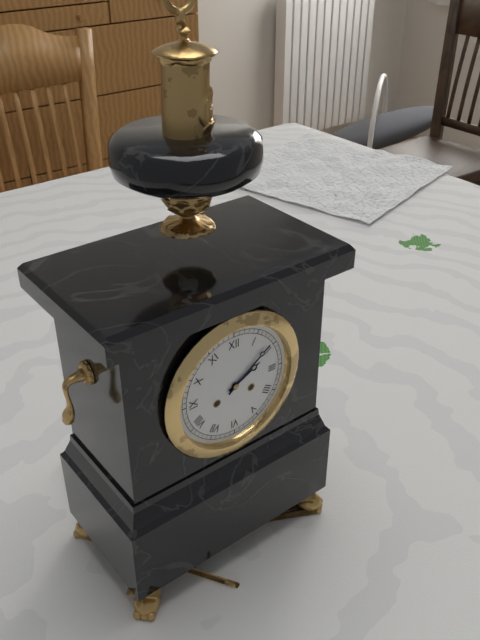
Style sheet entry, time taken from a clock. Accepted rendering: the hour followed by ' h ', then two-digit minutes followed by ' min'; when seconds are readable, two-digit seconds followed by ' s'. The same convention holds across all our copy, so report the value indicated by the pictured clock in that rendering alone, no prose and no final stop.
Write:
2 h 09 min
